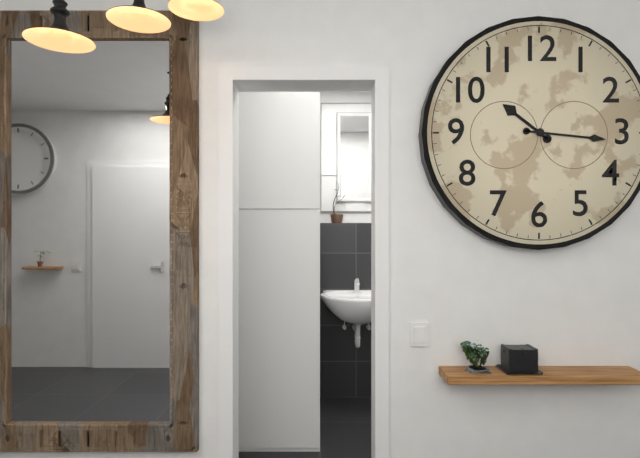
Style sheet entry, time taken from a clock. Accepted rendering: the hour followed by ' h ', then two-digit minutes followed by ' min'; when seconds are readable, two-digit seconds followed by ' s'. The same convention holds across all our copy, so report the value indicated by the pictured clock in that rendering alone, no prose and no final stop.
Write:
10 h 16 min
